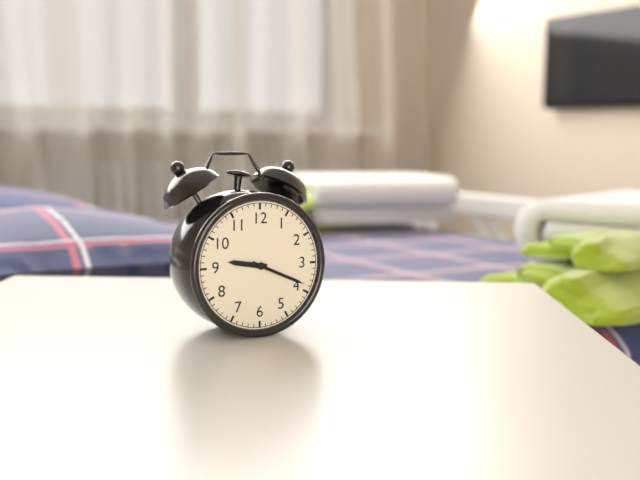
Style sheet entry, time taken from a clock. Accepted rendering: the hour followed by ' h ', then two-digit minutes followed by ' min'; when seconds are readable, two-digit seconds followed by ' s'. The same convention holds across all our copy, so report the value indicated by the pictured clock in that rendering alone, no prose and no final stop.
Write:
9 h 19 min
